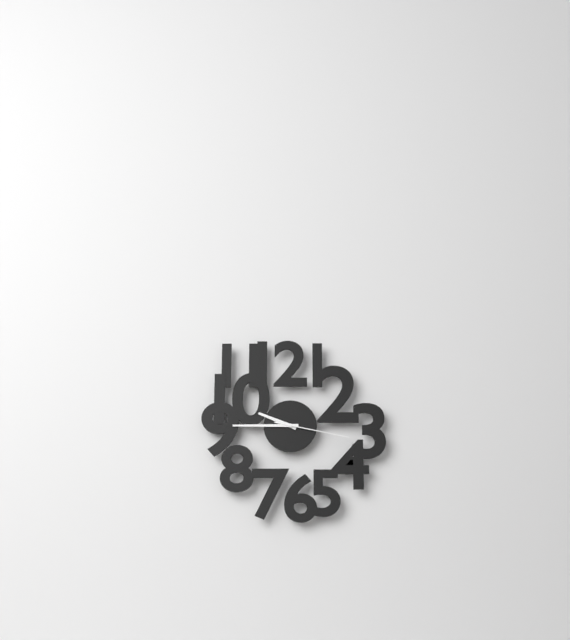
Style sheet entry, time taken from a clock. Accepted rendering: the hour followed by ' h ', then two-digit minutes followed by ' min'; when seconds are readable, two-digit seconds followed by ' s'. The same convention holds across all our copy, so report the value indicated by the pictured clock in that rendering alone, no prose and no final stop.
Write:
9 h 45 min 17 s
